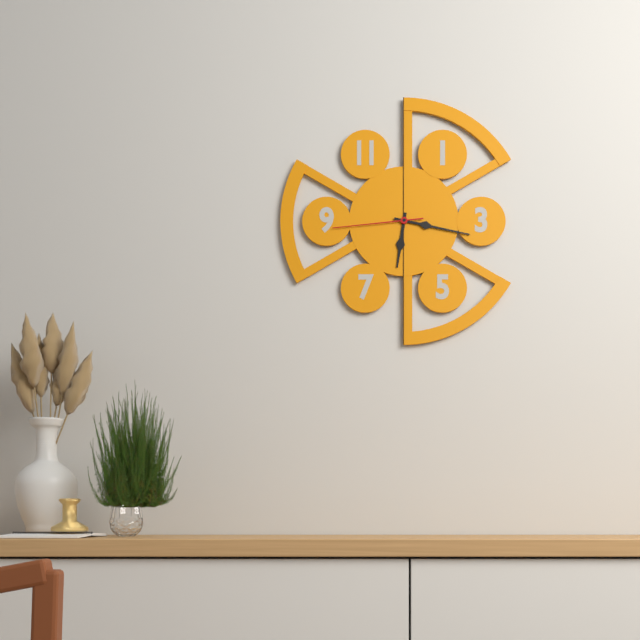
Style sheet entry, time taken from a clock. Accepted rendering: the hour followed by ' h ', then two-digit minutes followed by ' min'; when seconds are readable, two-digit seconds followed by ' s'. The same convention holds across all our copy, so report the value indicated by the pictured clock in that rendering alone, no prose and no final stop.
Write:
6 h 17 min 44 s
